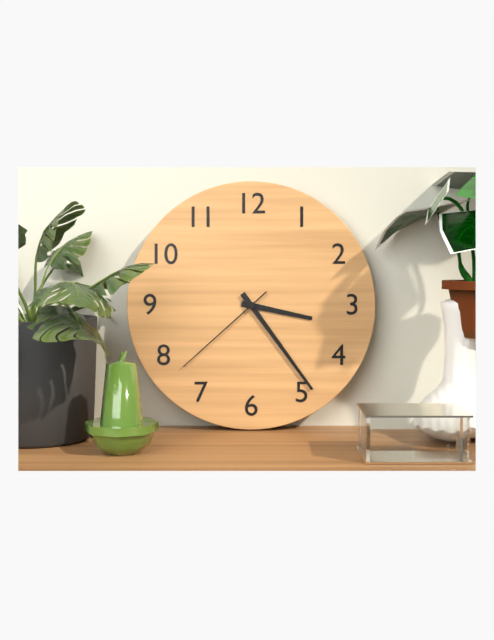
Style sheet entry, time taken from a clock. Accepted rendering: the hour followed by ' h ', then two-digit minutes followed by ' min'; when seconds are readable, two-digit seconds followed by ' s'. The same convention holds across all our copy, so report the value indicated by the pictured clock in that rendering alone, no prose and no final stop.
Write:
3 h 24 min 38 s
